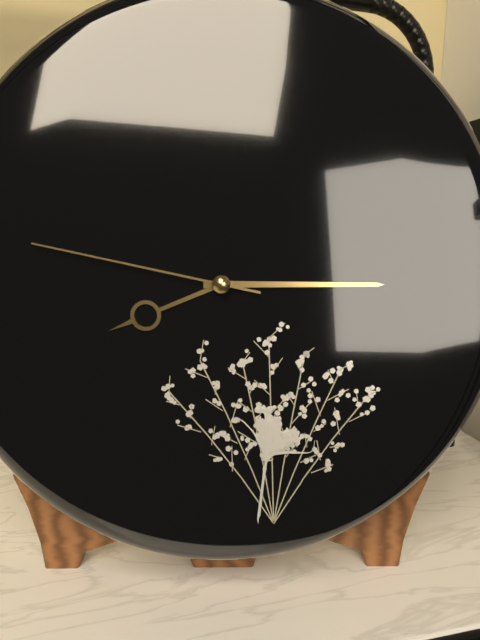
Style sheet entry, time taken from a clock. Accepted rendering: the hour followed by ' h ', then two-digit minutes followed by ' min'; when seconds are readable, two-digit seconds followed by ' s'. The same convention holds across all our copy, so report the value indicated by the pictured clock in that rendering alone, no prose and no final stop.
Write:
8 h 15 min 47 s
